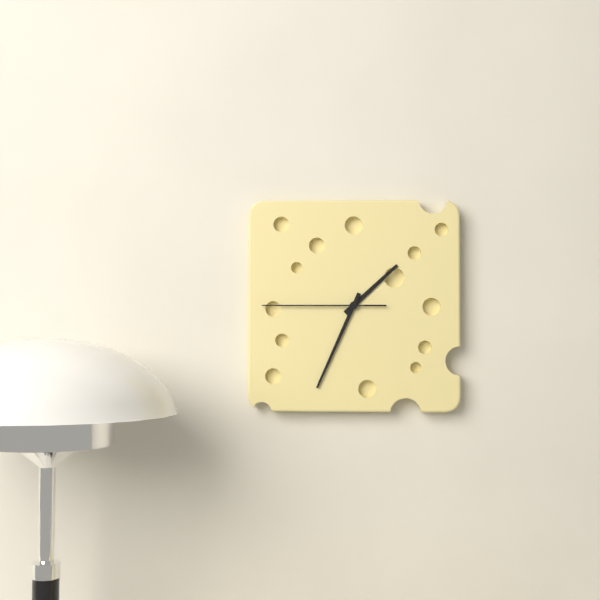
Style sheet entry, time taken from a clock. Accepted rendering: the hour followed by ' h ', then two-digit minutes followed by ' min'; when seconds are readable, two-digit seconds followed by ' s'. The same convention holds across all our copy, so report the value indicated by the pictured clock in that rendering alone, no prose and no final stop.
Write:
1 h 34 min 45 s
